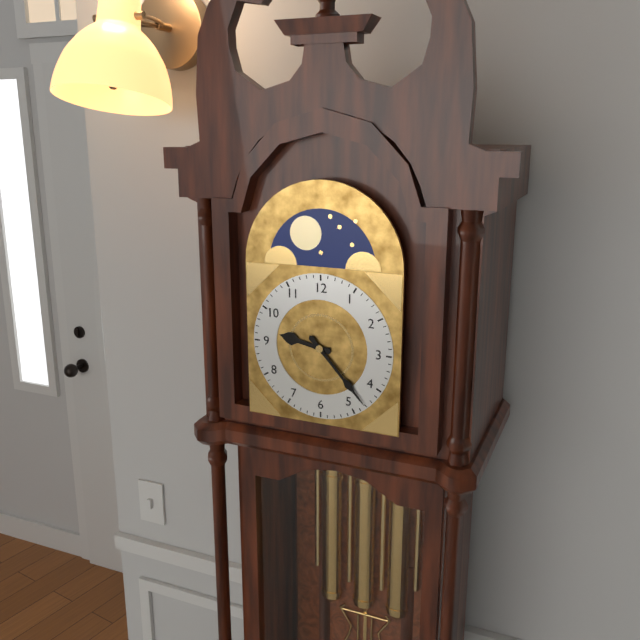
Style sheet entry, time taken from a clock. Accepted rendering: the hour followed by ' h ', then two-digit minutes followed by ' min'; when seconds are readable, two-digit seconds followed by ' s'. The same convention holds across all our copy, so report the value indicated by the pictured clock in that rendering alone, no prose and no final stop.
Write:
9 h 23 min
